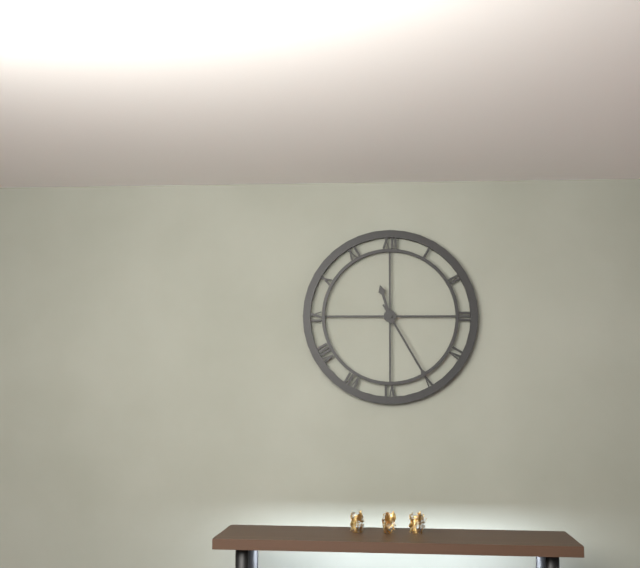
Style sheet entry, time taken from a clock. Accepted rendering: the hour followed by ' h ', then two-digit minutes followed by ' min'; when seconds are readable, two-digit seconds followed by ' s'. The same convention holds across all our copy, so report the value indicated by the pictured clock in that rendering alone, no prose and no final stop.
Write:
11 h 25 min
